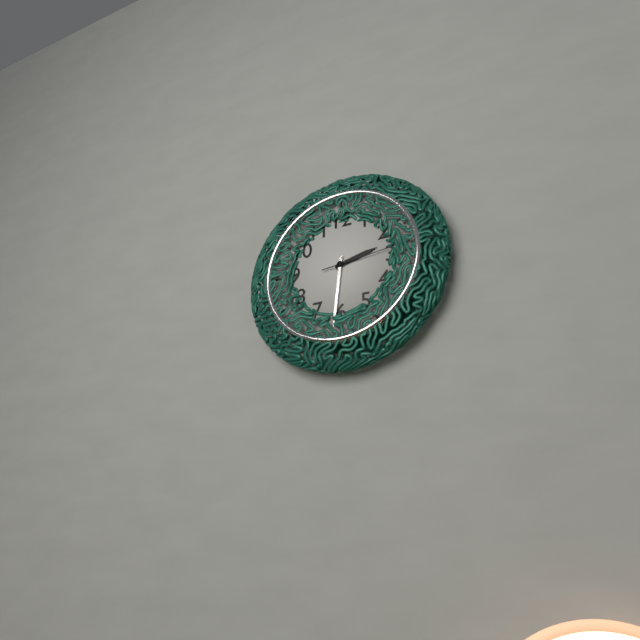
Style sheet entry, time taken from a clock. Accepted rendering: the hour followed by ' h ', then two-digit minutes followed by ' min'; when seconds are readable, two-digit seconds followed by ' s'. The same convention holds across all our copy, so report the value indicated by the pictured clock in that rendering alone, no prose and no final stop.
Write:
2 h 31 min 14 s
